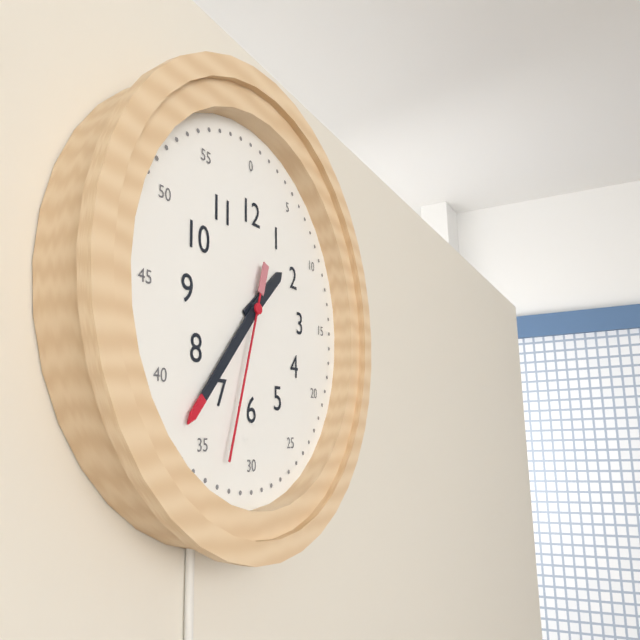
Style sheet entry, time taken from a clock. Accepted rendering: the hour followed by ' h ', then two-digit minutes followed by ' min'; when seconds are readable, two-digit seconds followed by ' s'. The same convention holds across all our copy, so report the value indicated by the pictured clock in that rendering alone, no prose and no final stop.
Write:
1 h 37 min 33 s
